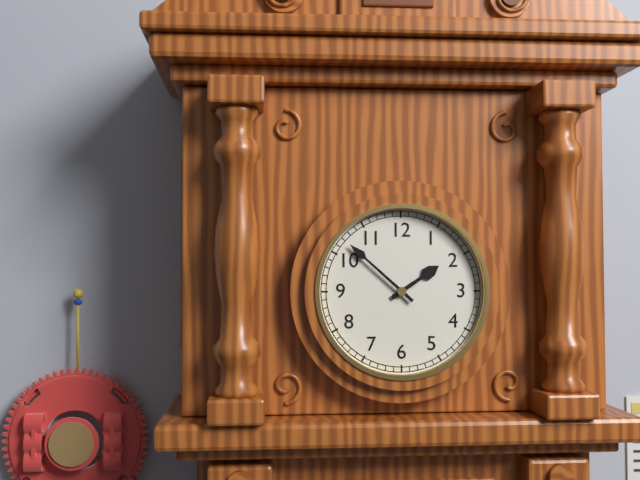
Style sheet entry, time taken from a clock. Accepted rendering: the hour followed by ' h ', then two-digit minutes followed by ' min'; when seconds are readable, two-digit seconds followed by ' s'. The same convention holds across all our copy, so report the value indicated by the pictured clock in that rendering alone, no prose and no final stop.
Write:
1 h 52 min
